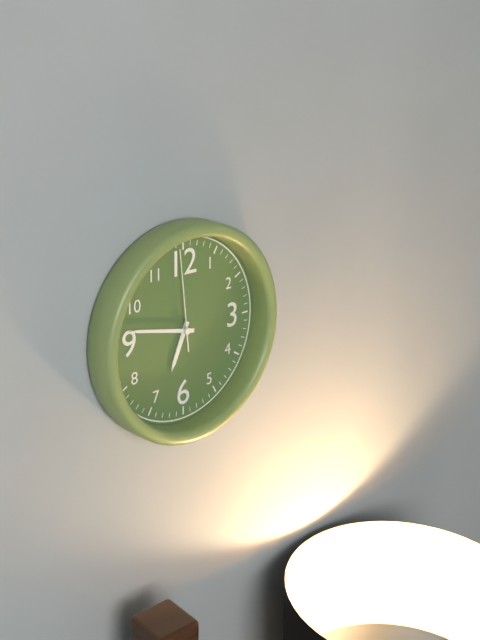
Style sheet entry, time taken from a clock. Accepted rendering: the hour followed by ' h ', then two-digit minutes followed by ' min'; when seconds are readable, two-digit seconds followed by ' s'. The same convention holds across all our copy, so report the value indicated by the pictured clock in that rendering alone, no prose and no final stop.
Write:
6 h 47 min 59 s
